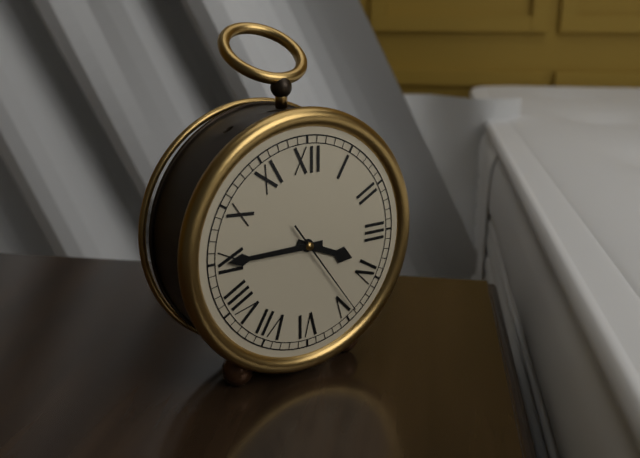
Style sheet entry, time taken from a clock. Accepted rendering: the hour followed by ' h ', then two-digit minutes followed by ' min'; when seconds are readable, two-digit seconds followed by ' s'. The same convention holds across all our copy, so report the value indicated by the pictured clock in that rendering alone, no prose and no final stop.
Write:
3 h 45 min 24 s
